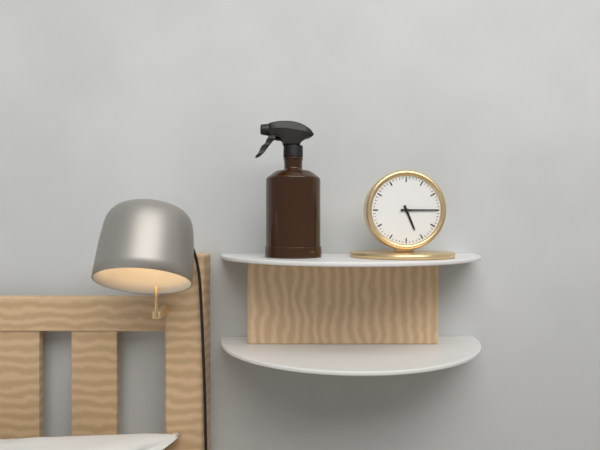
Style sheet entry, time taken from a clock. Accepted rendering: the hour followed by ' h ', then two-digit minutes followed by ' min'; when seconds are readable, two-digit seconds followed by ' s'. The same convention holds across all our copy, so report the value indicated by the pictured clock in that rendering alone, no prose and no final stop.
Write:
5 h 15 min
